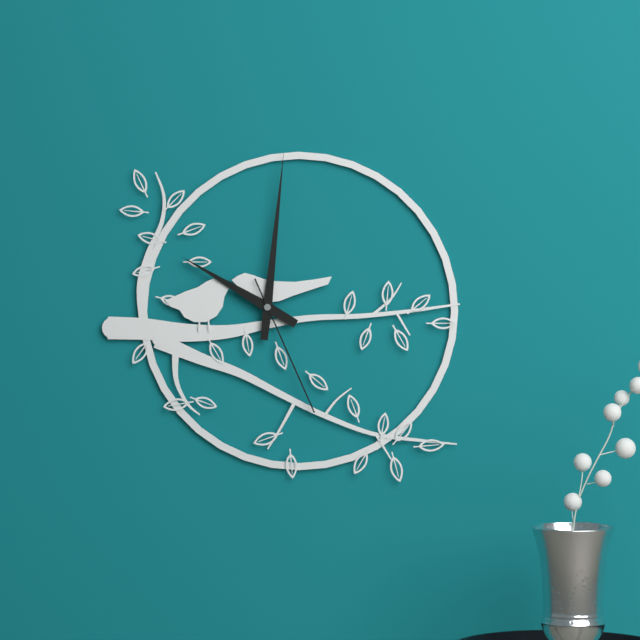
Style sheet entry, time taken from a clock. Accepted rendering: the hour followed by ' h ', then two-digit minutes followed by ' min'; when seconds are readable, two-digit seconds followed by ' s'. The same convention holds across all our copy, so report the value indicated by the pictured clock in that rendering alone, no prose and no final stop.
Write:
10 h 01 min 26 s
